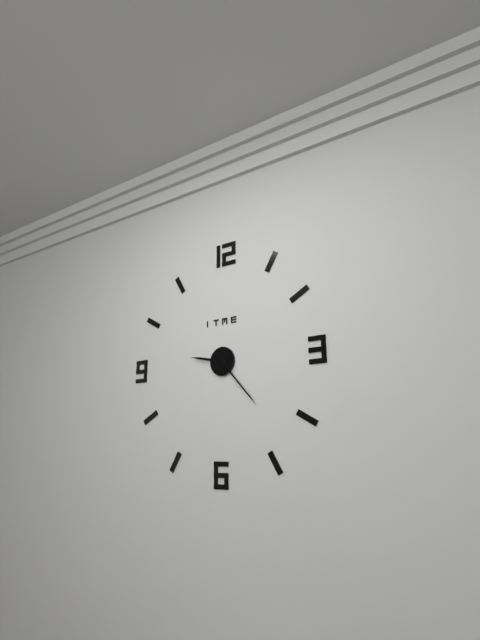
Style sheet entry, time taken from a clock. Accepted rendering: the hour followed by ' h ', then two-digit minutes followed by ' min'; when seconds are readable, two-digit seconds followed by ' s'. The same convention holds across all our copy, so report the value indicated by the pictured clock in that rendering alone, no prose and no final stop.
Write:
9 h 23 min
